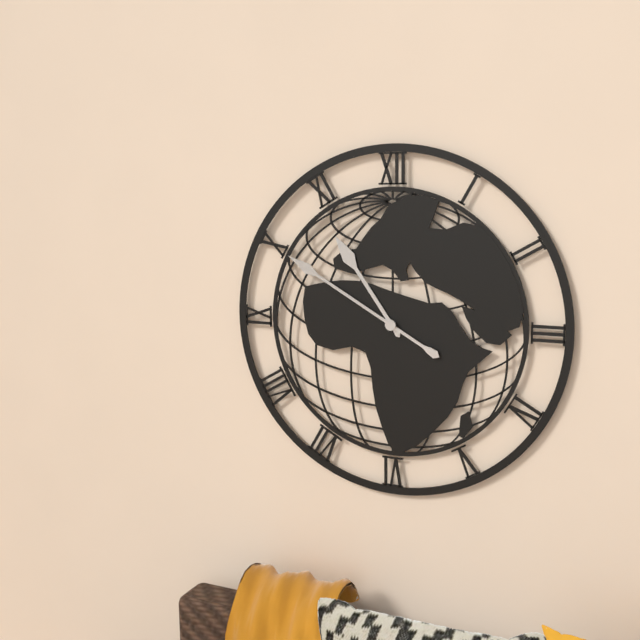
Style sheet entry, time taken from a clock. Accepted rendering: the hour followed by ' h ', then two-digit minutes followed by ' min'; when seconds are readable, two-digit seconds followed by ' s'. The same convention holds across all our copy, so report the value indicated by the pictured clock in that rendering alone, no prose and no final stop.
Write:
10 h 50 min
